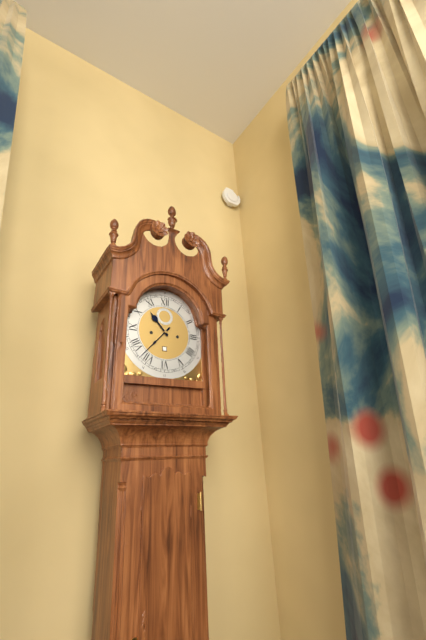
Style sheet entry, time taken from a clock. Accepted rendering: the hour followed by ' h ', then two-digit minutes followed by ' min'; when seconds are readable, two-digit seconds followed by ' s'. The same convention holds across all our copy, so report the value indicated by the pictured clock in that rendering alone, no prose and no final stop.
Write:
10 h 37 min
